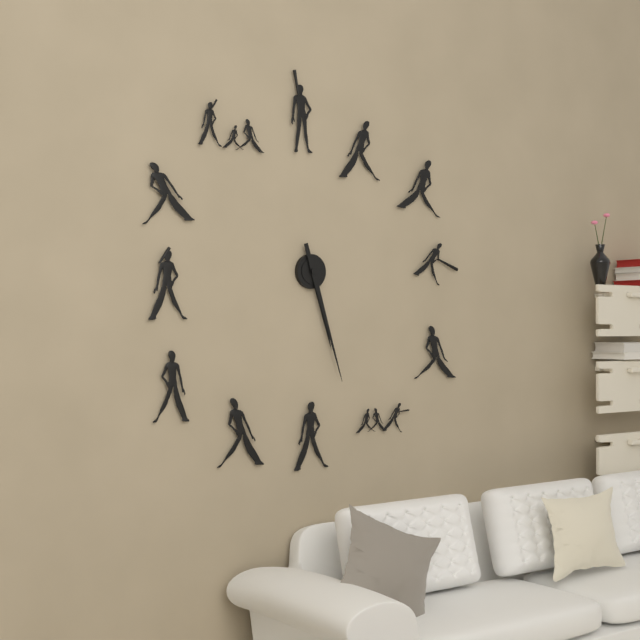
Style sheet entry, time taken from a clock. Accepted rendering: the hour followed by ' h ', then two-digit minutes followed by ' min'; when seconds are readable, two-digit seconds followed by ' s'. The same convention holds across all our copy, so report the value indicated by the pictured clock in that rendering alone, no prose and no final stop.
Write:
5 h 27 min
